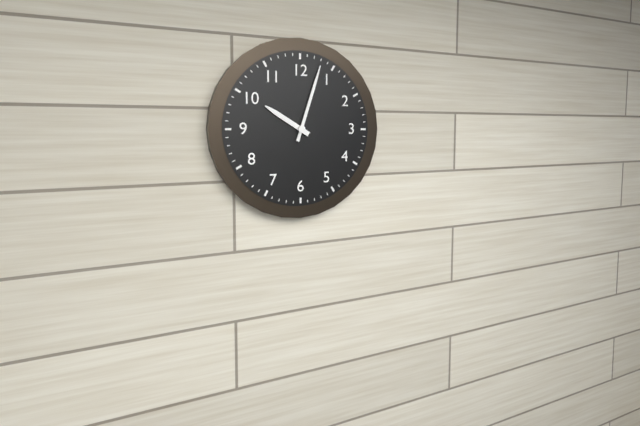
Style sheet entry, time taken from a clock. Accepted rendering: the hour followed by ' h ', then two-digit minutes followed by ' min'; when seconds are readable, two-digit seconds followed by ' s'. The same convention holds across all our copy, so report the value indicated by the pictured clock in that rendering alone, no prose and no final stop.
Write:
10 h 03 min
